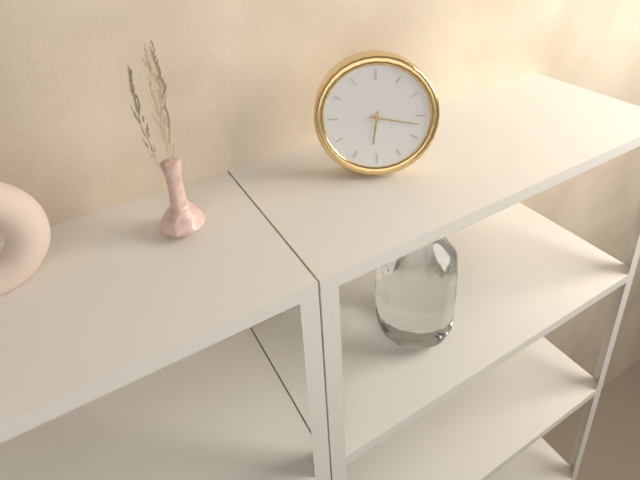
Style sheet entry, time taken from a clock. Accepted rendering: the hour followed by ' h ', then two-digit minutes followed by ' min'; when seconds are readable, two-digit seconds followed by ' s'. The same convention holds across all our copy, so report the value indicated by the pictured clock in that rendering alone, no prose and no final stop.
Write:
6 h 17 min
